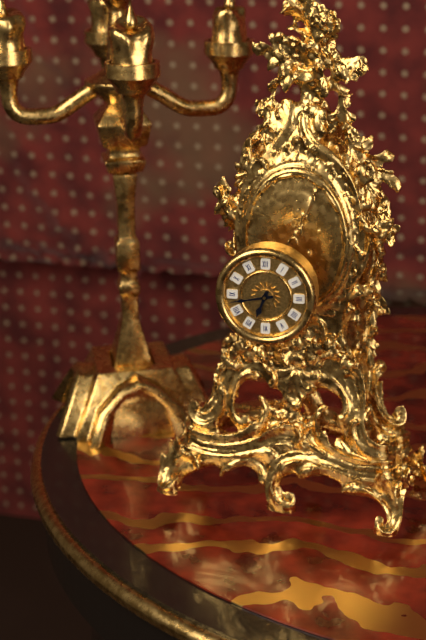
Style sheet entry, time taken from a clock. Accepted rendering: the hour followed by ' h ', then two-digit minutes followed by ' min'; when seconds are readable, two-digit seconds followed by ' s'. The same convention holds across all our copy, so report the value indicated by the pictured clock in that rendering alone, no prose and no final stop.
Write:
6 h 43 min
